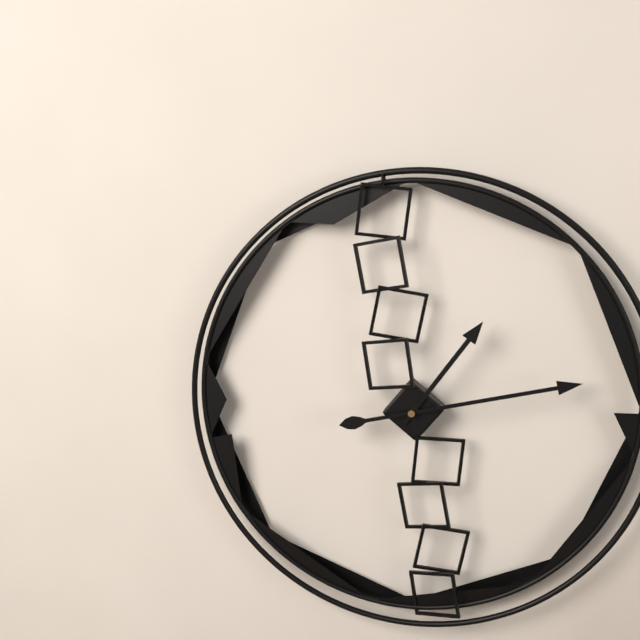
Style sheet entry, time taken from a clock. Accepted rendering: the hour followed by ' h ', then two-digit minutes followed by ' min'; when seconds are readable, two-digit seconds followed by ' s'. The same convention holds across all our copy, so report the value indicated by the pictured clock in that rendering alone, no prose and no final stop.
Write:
1 h 13 min
